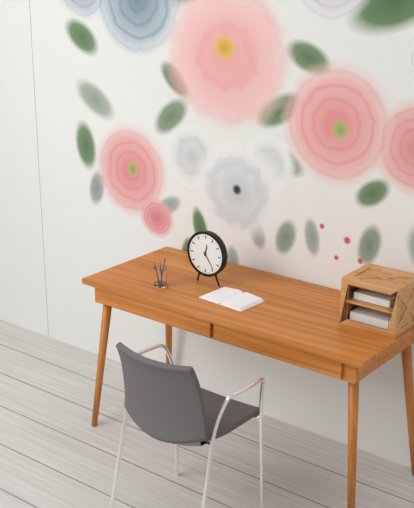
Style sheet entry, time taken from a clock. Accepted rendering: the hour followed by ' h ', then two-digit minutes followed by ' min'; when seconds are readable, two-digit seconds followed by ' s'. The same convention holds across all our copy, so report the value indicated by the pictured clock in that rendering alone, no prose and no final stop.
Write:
12 h 24 min
